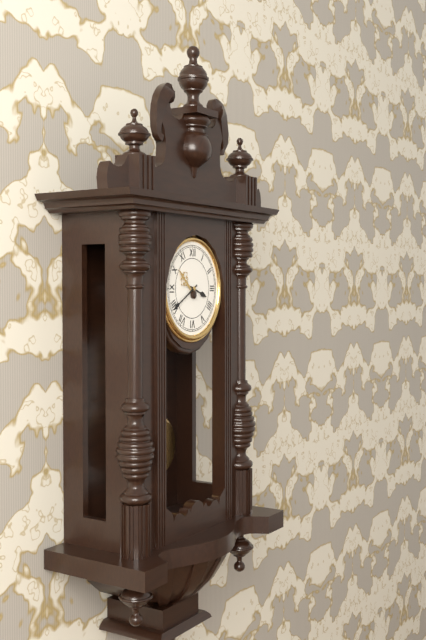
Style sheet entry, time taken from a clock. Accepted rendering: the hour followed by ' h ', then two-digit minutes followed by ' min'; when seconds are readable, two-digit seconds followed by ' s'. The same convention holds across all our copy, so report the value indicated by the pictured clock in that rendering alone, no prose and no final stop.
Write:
3 h 40 min
